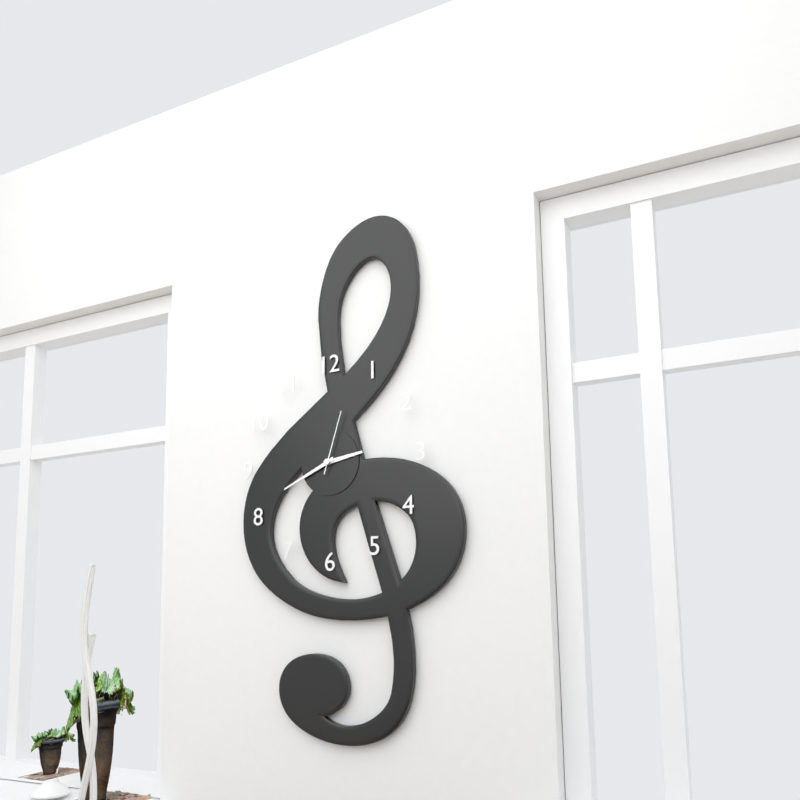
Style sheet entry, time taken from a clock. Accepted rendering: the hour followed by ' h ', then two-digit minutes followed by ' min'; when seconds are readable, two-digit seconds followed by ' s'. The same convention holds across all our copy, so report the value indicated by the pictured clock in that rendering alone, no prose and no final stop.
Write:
2 h 41 min 03 s
